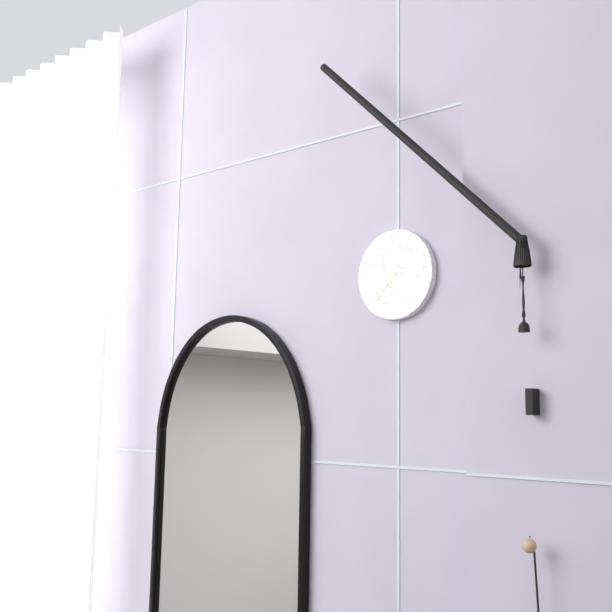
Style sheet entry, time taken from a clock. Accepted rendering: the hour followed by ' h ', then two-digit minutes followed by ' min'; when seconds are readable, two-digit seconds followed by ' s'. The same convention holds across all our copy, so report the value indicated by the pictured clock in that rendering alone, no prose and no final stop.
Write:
5 h 37 min
